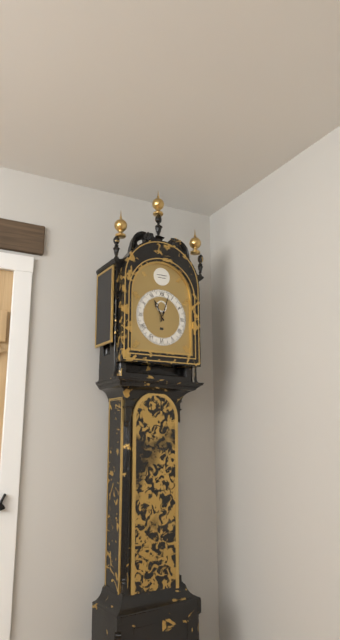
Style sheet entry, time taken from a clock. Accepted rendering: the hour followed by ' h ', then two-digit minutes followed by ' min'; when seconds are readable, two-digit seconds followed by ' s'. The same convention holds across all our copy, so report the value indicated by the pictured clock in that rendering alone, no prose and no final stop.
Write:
11 h 03 min
